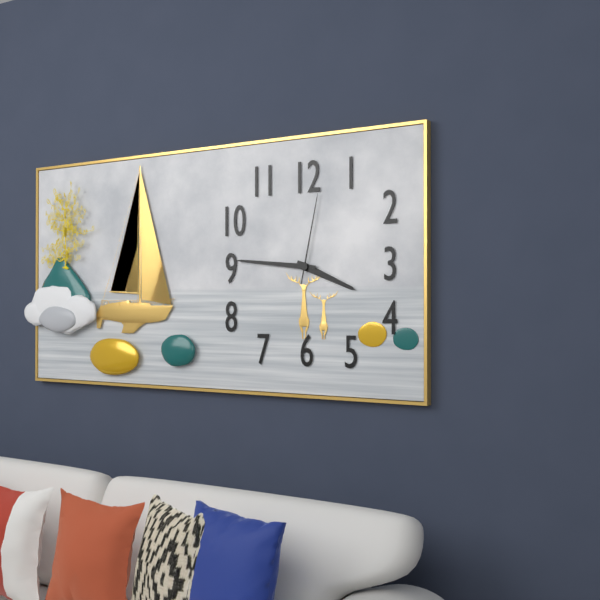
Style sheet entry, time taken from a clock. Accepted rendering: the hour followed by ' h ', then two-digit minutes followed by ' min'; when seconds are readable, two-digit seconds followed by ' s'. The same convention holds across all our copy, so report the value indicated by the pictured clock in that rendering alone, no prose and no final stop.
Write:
3 h 46 min 02 s
